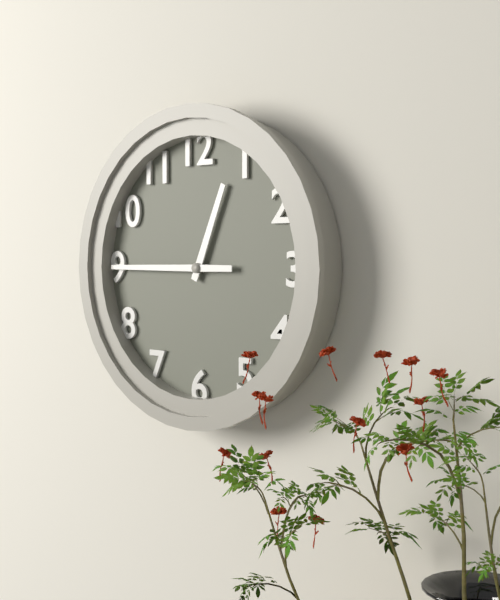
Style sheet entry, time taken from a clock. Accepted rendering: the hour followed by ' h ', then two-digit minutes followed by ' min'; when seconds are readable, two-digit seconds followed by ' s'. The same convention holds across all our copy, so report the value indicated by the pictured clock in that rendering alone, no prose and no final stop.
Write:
12 h 45 min
